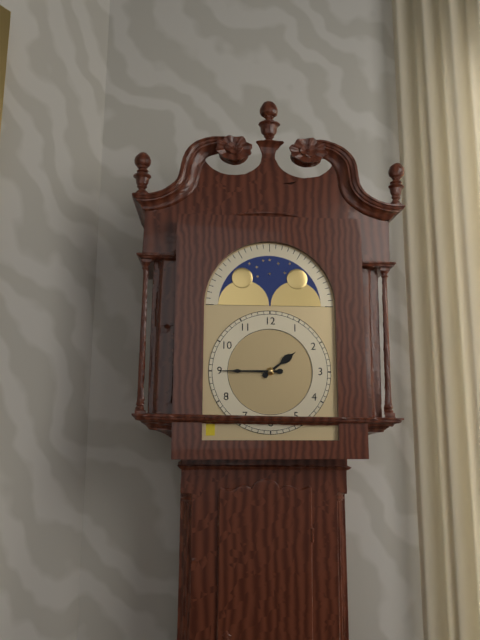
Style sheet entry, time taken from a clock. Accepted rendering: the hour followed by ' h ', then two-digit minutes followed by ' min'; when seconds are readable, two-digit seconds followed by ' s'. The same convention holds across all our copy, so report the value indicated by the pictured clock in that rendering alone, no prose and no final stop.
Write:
1 h 45 min
